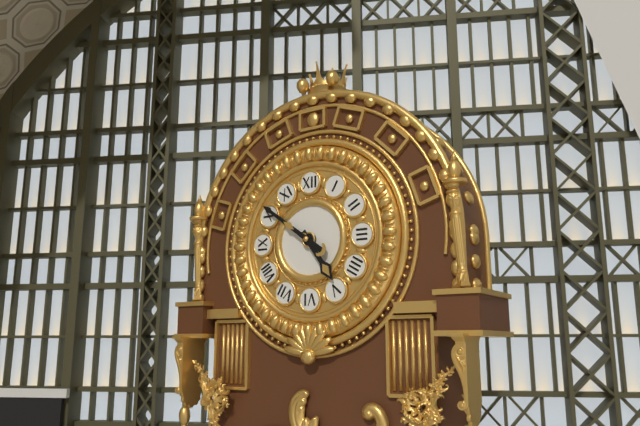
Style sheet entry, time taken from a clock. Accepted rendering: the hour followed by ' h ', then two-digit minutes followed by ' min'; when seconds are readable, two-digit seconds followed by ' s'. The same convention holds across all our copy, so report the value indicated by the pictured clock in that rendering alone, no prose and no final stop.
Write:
4 h 51 min
